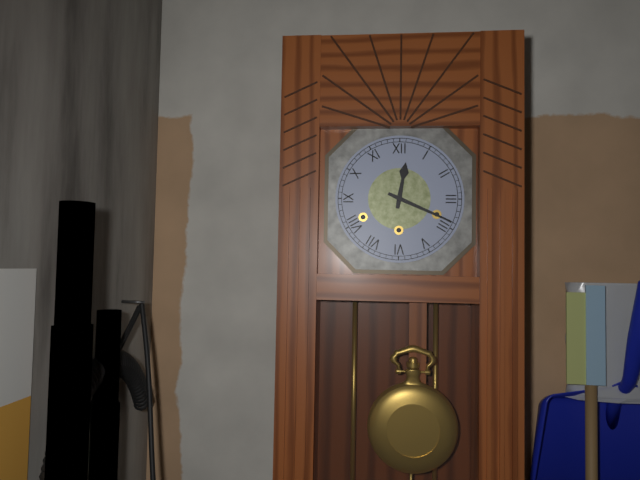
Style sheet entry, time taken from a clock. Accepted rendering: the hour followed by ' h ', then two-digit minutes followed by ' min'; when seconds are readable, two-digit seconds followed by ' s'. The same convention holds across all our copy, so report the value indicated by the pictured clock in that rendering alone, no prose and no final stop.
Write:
12 h 19 min
